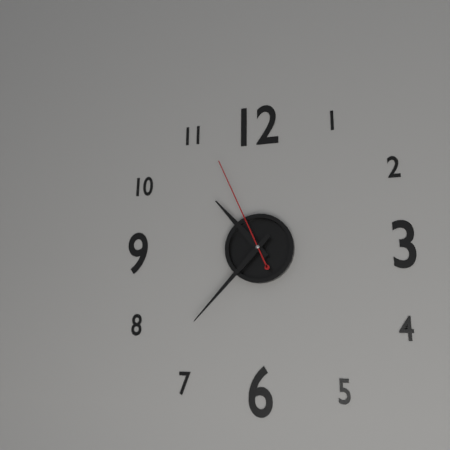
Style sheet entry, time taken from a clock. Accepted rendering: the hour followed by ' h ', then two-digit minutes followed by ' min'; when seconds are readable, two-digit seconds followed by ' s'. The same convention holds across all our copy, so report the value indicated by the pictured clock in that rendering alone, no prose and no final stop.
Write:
10 h 37 min 56 s
